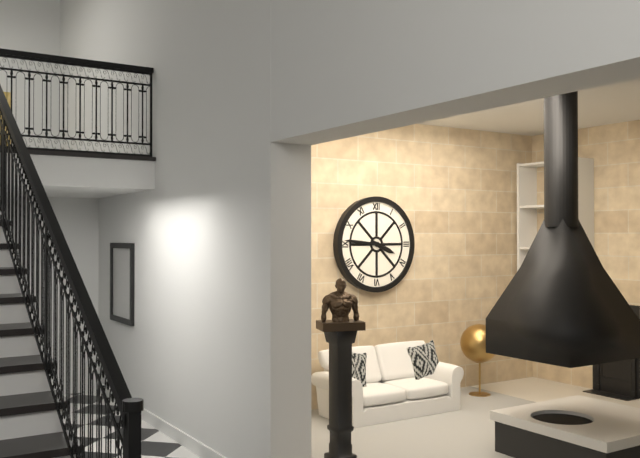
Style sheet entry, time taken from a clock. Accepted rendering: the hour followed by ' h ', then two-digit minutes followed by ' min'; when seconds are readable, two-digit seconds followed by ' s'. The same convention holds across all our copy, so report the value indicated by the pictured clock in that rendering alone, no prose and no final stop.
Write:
3 h 46 min
